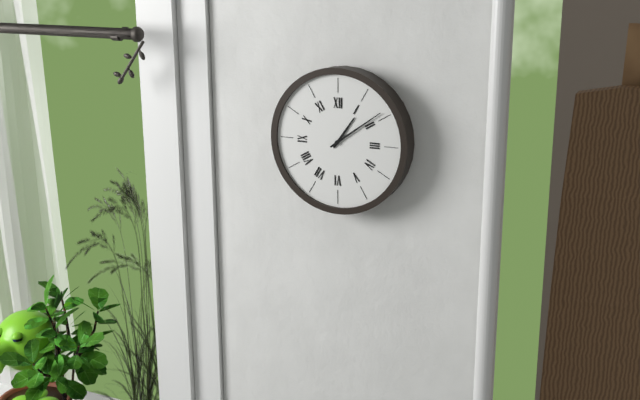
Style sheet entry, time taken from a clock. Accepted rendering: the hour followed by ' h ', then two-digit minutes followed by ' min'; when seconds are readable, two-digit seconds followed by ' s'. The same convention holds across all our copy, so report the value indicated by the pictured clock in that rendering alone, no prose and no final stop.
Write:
1 h 09 min
